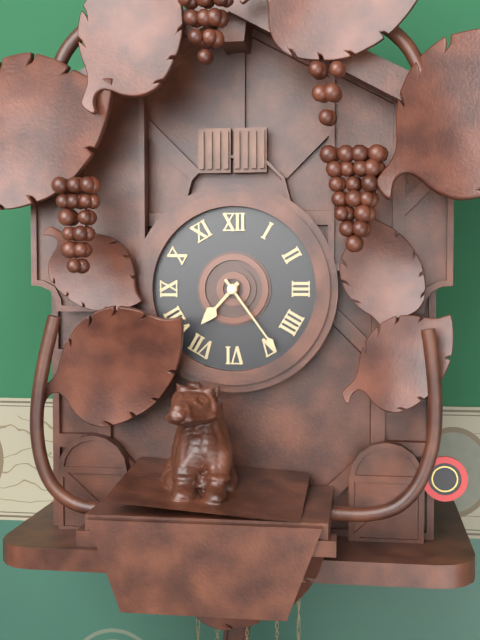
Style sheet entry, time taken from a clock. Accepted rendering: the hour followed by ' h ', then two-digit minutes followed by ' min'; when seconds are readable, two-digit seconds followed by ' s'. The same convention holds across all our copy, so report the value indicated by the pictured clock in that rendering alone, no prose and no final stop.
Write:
7 h 24 min
